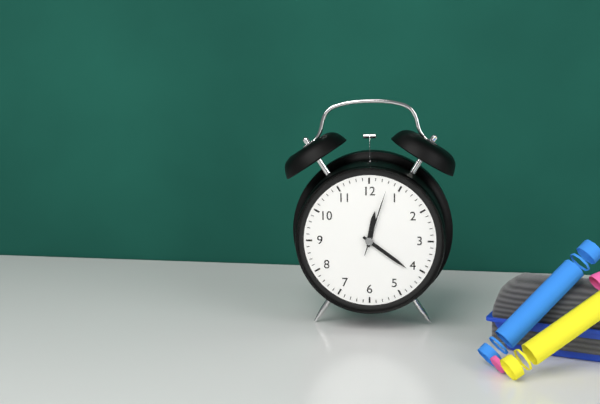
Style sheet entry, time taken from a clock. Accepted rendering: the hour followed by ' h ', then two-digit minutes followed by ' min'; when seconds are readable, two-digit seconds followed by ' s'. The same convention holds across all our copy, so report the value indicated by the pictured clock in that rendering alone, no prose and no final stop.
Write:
12 h 21 min 03 s
